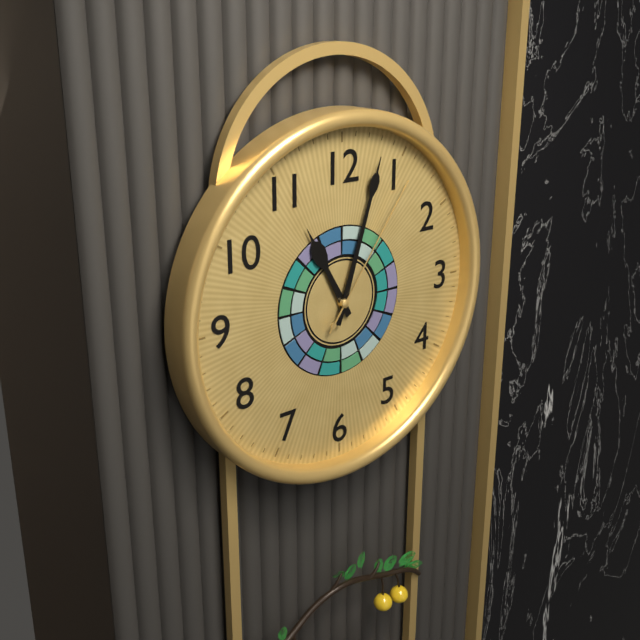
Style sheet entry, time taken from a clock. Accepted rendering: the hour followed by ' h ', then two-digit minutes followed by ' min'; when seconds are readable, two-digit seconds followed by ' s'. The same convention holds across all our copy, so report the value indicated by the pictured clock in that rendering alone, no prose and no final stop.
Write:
11 h 03 min 06 s
